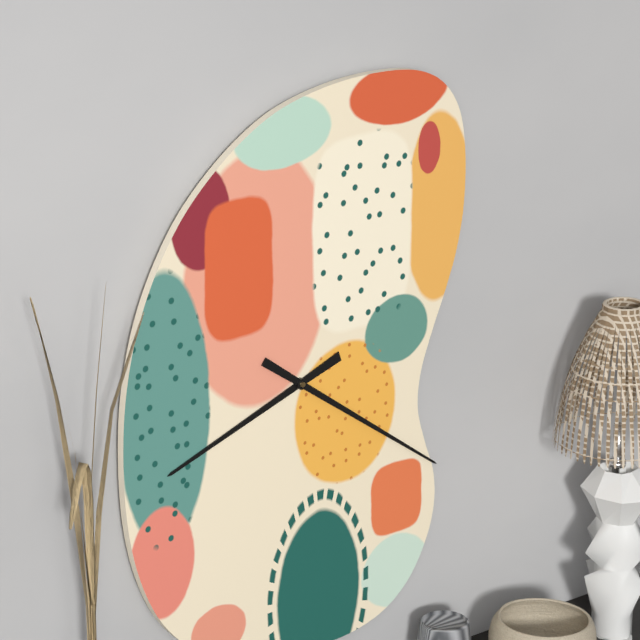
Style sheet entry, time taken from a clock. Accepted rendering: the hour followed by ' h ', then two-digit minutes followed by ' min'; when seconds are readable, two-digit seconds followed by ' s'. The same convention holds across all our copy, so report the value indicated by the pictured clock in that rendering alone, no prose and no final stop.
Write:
8 h 21 min
